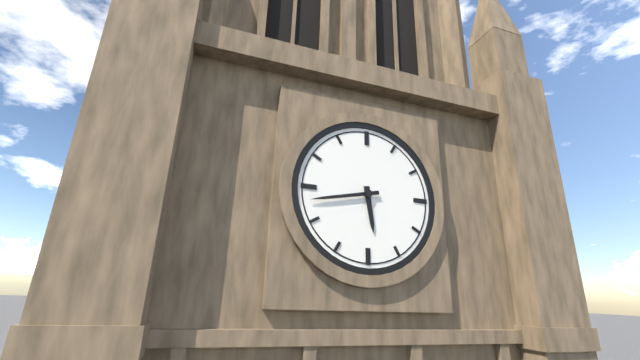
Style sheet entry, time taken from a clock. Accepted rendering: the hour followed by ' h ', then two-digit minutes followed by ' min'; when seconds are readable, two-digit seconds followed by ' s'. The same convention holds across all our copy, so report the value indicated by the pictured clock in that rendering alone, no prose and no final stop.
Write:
5 h 43 min
